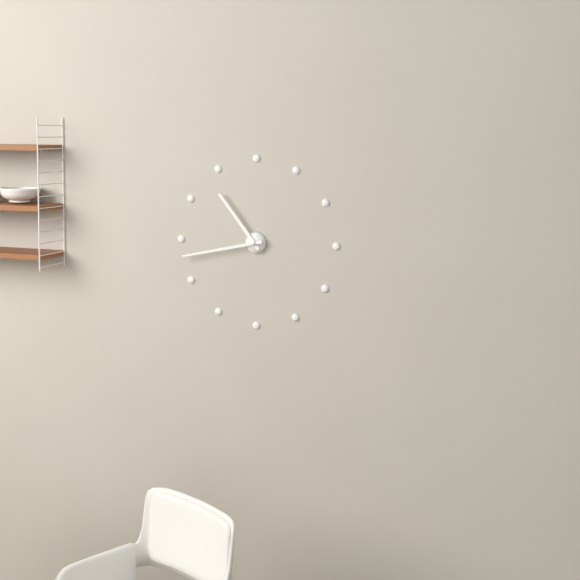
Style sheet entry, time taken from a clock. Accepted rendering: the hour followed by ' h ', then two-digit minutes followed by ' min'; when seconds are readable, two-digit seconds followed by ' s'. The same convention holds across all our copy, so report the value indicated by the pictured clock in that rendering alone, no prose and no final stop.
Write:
10 h 43 min
